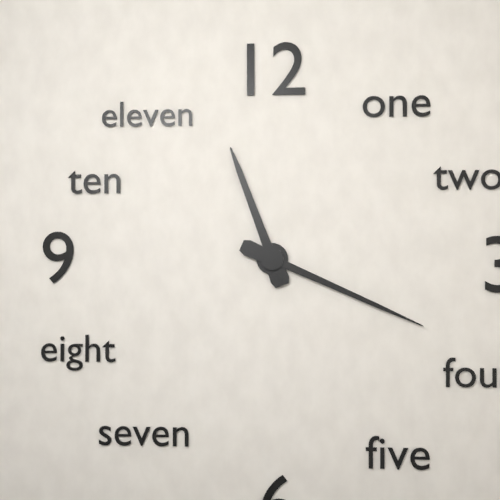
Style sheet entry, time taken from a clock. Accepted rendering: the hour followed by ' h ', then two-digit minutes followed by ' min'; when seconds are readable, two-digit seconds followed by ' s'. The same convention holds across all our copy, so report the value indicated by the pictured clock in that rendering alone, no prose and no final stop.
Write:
11 h 19 min
